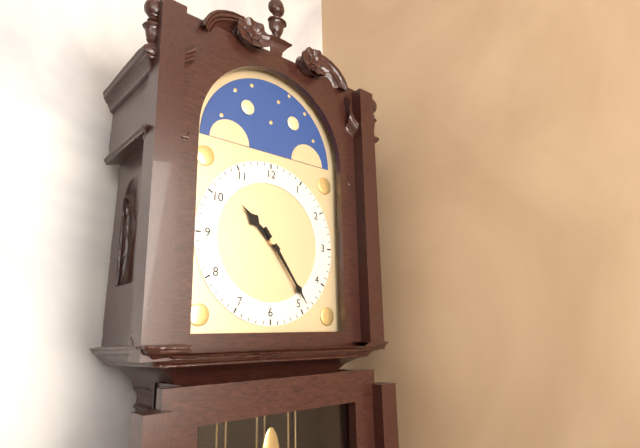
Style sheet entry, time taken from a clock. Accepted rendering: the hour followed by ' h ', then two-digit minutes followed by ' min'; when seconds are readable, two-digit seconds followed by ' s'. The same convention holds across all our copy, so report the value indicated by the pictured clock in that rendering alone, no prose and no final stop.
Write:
10 h 24 min
